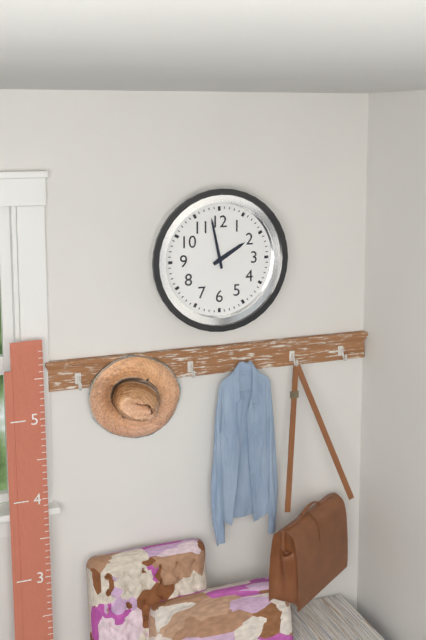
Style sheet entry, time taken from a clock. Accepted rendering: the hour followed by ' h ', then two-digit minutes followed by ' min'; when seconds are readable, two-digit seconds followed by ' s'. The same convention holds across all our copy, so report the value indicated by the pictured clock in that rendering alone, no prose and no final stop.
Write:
1 h 58 min
